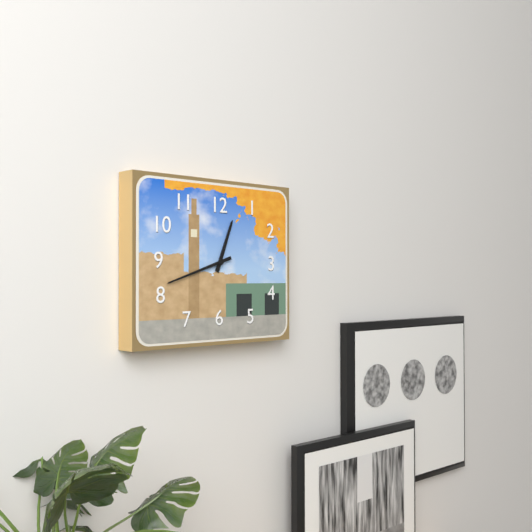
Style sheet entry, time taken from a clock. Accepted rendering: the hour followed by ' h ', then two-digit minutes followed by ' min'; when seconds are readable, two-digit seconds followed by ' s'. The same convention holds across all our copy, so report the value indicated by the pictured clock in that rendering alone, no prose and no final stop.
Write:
12 h 42 min
